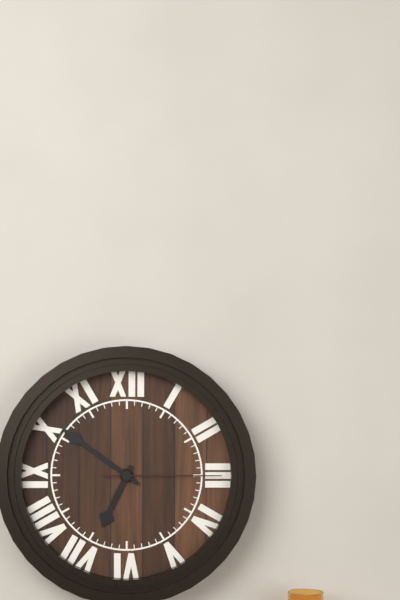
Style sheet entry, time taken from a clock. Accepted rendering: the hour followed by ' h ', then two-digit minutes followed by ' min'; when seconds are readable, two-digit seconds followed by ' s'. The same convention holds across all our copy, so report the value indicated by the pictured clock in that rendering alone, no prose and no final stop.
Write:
6 h 51 min 15 s
